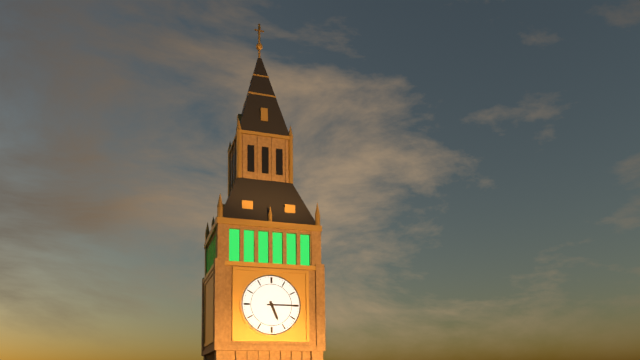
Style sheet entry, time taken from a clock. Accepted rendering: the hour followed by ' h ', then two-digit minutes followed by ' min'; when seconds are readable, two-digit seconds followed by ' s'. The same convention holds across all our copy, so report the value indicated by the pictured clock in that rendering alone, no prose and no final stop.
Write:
5 h 15 min
